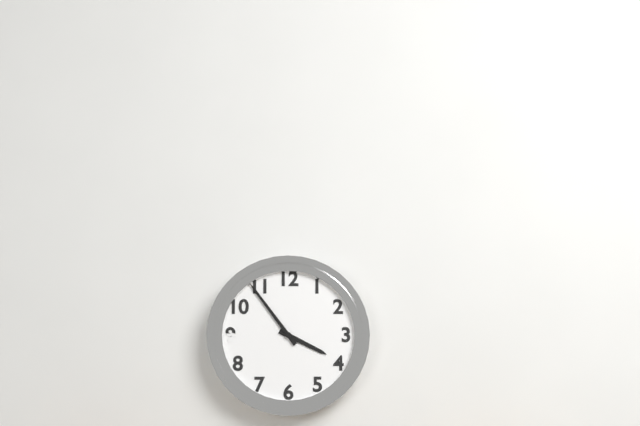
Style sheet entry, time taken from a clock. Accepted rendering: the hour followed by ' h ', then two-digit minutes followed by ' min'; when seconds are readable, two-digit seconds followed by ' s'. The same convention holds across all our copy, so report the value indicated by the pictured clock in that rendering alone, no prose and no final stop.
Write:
3 h 54 min
